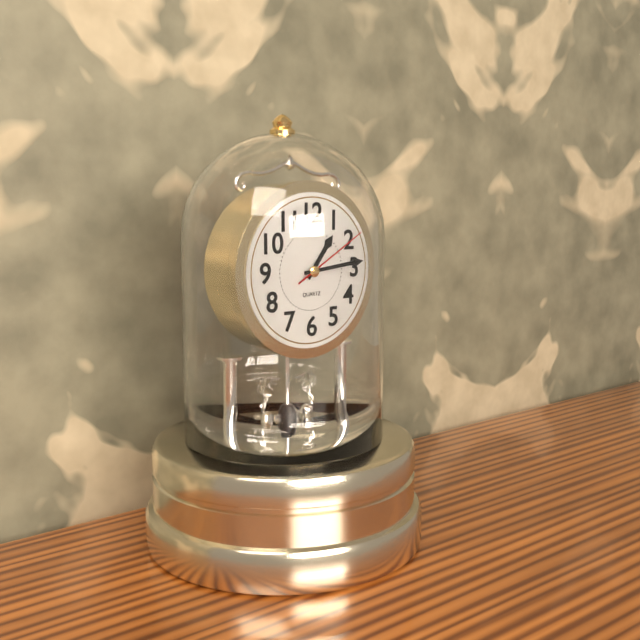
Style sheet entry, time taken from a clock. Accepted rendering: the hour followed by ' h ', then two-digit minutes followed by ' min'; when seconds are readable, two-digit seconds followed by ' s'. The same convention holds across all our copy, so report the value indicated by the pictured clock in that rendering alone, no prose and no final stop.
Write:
1 h 14 min 10 s
